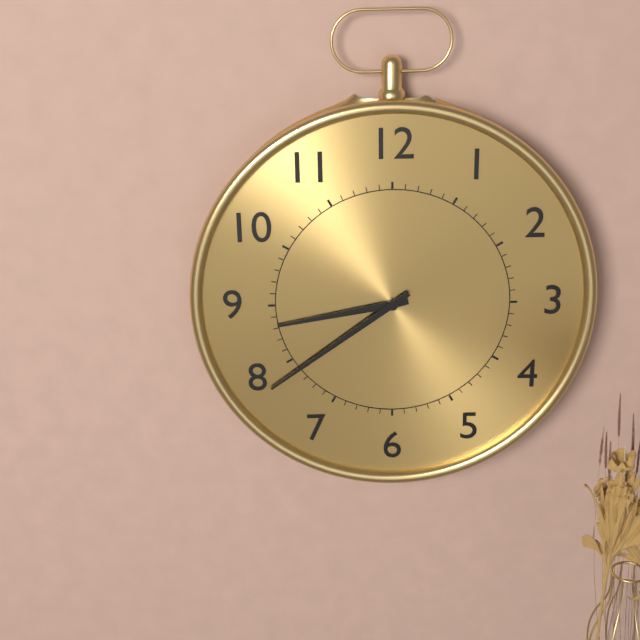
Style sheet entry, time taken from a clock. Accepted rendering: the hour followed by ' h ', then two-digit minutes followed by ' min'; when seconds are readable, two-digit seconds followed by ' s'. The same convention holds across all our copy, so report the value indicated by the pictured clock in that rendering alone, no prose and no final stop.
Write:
8 h 39 min
